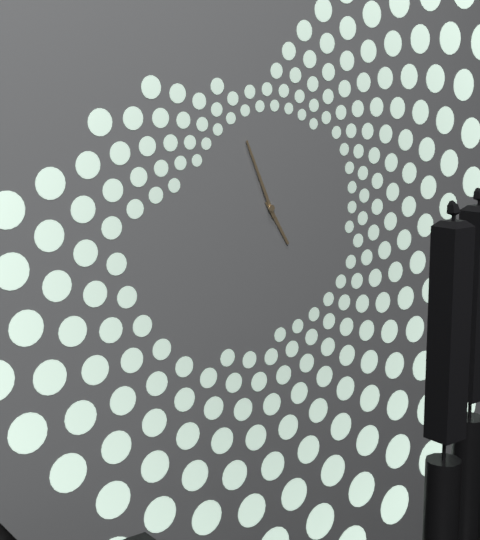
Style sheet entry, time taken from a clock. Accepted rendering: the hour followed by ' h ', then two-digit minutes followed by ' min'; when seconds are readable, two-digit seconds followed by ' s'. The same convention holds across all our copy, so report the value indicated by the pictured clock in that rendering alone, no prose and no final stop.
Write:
4 h 56 min
